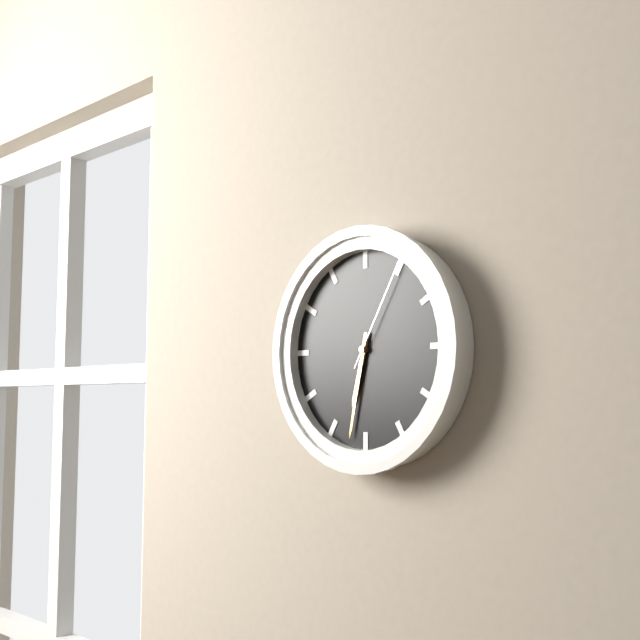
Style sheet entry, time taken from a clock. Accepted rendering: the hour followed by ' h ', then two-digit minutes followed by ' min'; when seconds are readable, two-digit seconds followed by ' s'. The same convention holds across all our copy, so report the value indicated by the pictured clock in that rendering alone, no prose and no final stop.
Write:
6 h 32 min 05 s
